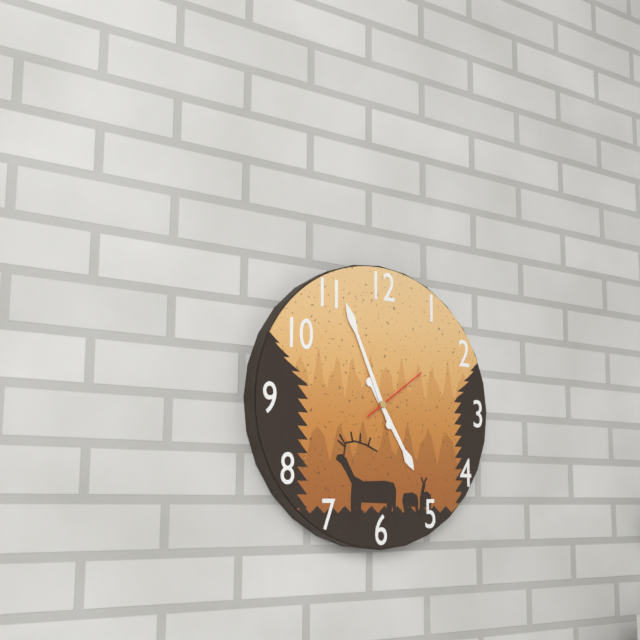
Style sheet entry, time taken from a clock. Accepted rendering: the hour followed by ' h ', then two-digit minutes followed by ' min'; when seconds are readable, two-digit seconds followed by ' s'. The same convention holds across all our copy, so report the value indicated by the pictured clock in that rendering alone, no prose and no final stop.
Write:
4 h 56 min 09 s
